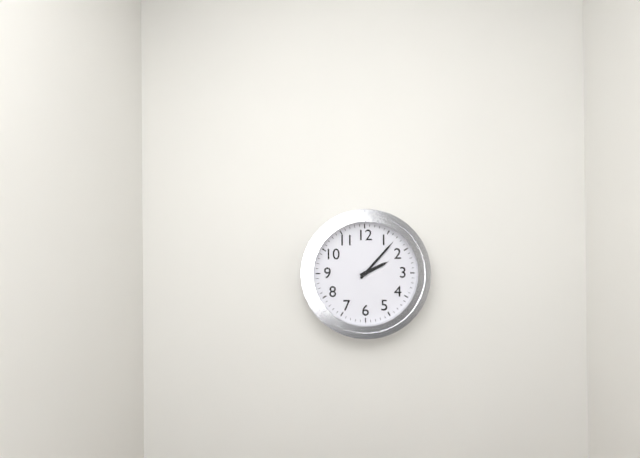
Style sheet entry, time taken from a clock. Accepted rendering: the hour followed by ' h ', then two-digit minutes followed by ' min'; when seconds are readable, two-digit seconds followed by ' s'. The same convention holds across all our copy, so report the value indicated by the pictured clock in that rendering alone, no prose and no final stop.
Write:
2 h 07 min
